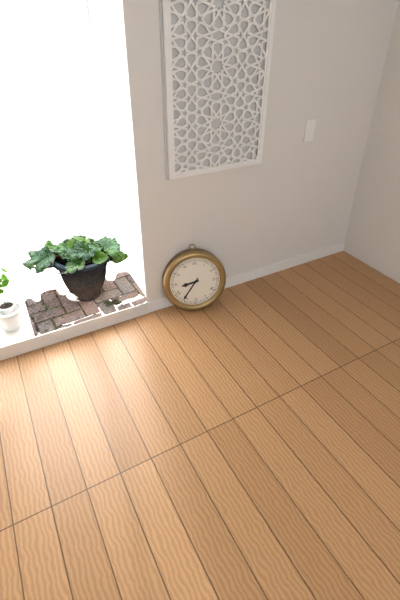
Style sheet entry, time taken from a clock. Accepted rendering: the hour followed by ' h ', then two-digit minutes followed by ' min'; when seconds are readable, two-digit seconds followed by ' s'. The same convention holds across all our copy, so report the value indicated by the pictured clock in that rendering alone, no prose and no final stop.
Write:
8 h 36 min
